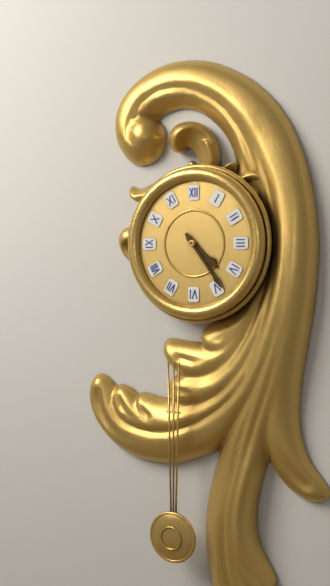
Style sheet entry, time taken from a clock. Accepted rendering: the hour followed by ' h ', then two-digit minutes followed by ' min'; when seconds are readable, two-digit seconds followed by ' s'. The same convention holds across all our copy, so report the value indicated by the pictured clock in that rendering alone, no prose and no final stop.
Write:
4 h 24 min
